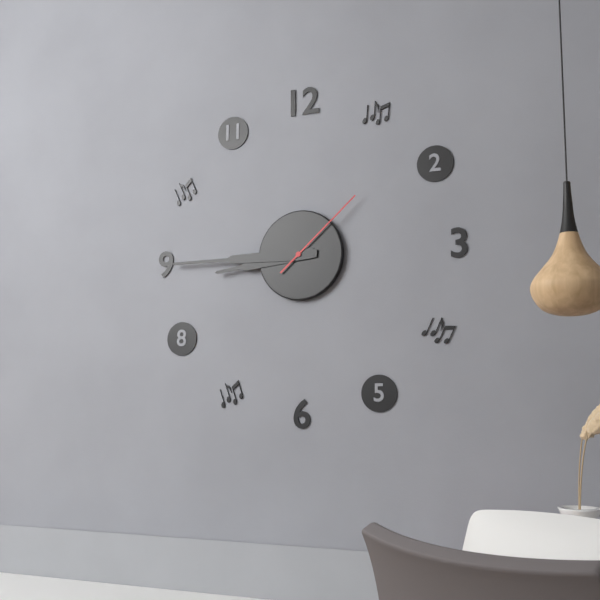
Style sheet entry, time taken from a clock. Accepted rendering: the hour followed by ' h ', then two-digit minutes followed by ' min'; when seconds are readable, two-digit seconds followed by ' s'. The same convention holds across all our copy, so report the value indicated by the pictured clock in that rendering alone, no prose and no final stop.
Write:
8 h 45 min 08 s
